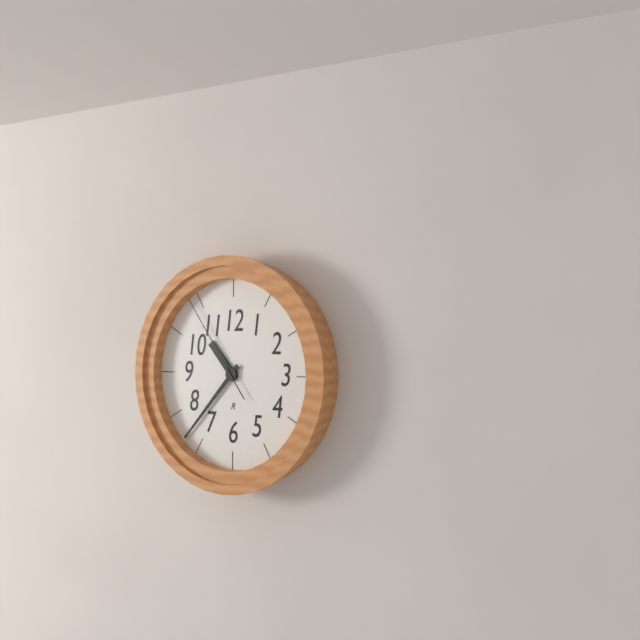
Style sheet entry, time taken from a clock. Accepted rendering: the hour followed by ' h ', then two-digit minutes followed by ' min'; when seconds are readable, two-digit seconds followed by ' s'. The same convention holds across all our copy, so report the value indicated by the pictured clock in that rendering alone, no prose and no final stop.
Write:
10 h 37 min 54 s
